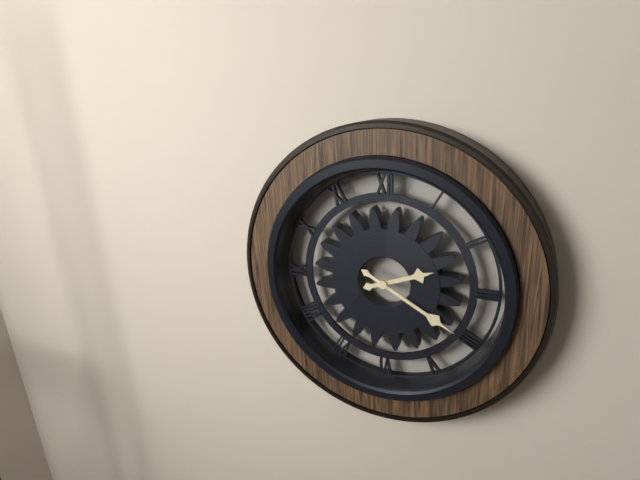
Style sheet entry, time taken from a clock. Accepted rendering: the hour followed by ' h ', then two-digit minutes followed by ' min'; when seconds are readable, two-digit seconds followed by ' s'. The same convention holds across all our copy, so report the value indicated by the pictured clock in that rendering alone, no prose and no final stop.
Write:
2 h 20 min
